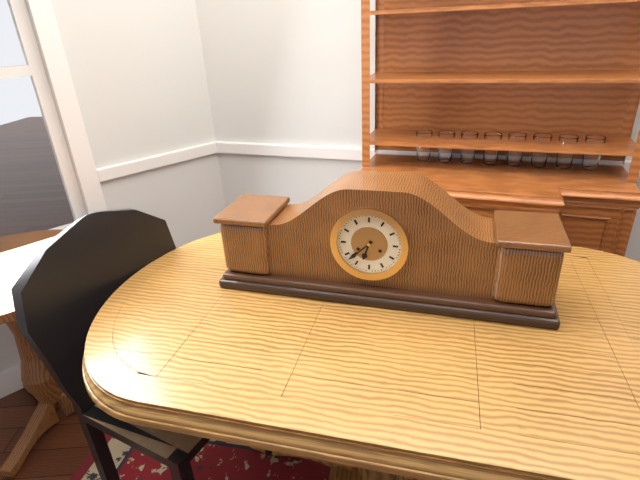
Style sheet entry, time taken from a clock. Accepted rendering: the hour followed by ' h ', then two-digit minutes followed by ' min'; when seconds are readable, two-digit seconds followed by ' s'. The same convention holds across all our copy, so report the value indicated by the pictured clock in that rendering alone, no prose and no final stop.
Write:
6 h 38 min
